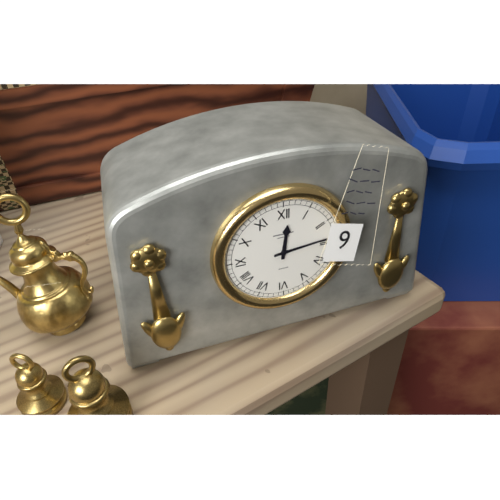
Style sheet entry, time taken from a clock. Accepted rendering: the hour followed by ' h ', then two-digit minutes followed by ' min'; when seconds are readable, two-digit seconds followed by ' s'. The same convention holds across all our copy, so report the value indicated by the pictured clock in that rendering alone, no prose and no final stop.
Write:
12 h 14 min
